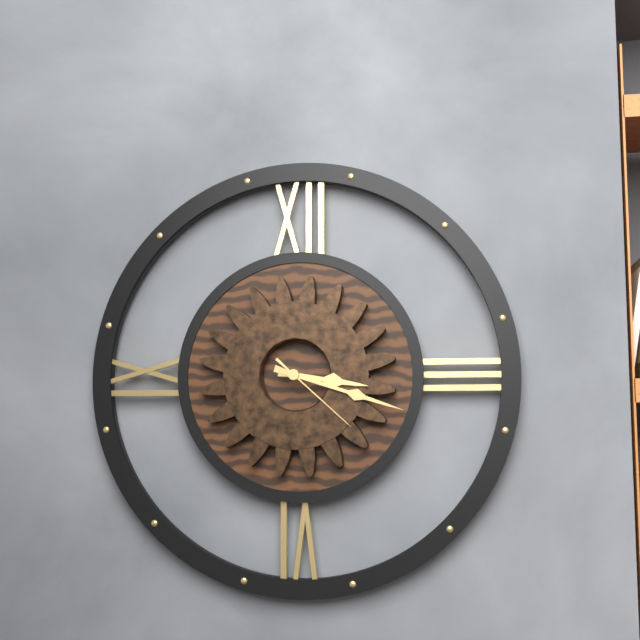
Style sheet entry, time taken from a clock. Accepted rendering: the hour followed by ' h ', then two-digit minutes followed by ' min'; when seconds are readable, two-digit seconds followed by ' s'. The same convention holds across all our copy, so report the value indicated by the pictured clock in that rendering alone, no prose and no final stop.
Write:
3 h 18 min 22 s
